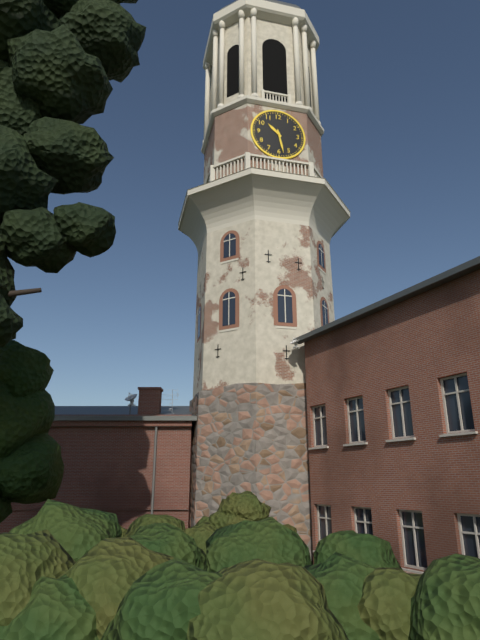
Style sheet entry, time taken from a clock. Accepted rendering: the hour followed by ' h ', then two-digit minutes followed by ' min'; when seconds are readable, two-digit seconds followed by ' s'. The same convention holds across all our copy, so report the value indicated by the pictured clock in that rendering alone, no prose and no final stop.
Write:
10 h 28 min
